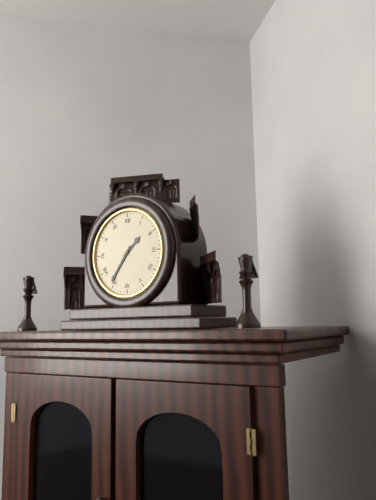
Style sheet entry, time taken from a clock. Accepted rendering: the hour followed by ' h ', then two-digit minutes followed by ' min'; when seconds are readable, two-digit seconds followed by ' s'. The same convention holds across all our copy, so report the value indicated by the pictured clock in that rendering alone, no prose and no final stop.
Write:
1 h 36 min
